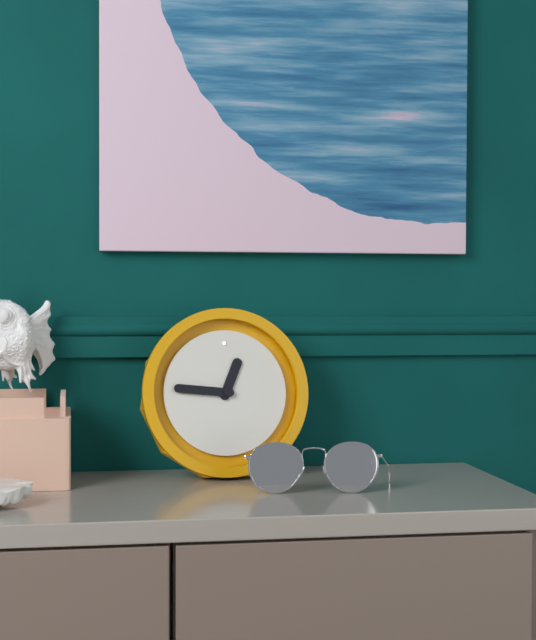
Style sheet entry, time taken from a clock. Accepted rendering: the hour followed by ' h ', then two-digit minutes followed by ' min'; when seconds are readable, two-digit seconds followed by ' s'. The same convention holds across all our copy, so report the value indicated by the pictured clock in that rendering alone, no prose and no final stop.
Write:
12 h 46 min
